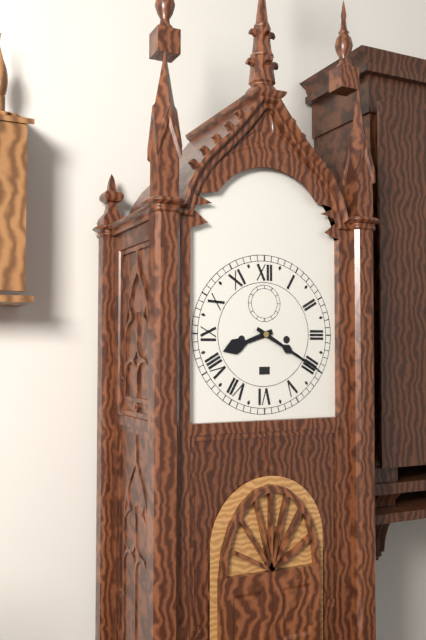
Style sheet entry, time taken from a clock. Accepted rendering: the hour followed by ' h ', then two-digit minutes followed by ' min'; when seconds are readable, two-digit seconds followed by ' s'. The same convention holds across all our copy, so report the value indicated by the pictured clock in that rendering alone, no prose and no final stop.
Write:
8 h 20 min
